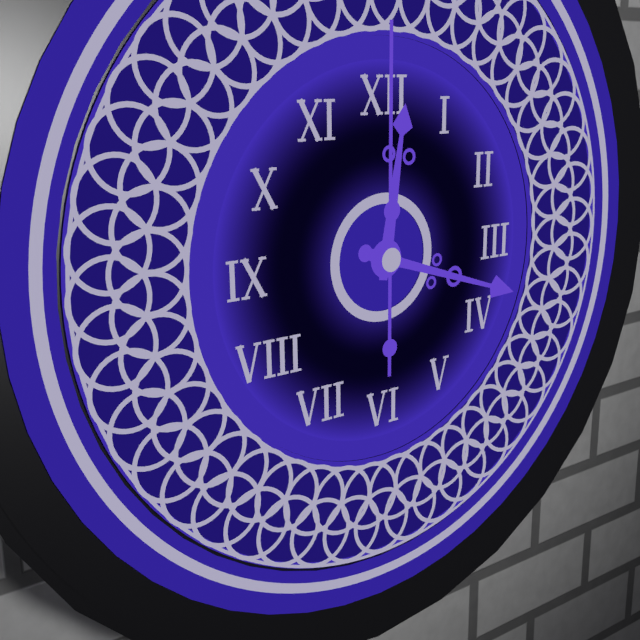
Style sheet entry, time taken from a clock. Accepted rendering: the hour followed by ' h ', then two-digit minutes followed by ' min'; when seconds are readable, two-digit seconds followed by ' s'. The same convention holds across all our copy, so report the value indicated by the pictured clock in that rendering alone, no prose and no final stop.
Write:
12 h 18 min 00 s
